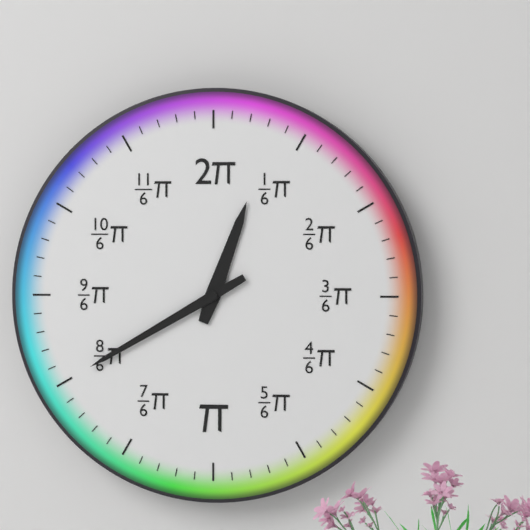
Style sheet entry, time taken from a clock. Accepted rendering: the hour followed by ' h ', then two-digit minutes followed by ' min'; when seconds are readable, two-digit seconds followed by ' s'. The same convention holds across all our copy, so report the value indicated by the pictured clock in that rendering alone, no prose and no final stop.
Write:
12 h 40 min
